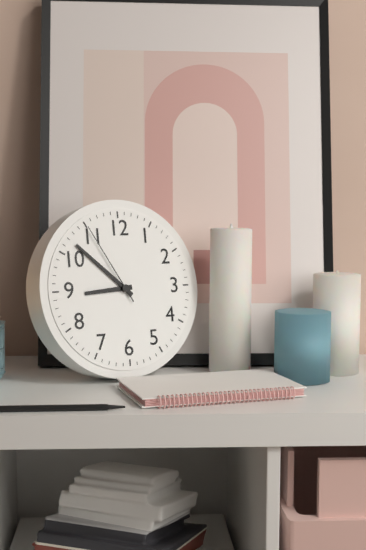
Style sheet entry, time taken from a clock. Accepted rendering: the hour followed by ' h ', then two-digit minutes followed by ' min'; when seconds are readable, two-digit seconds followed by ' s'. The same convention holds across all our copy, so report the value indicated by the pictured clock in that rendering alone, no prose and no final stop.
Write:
8 h 52 min 55 s
